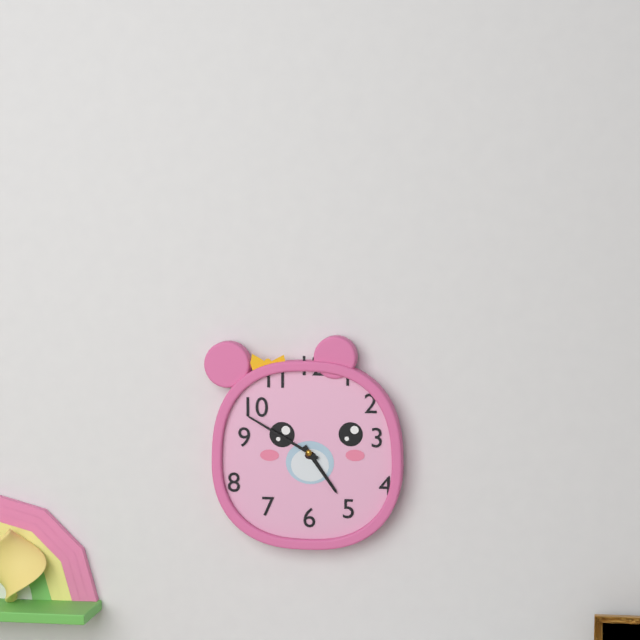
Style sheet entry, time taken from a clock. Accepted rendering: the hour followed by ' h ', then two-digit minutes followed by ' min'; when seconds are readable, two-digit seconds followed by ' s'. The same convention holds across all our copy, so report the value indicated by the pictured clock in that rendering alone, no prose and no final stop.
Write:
4 h 50 min
